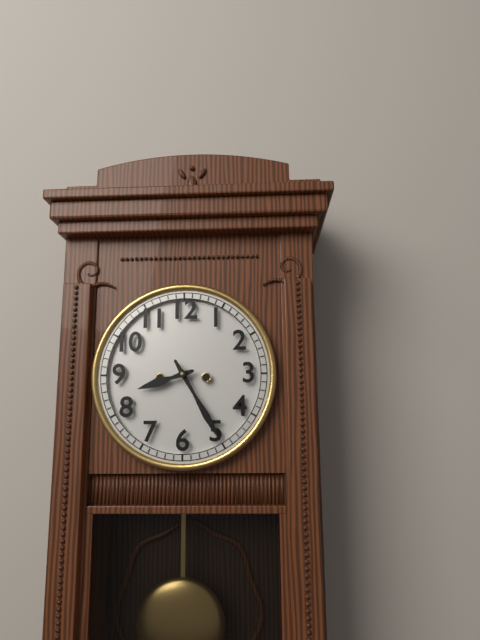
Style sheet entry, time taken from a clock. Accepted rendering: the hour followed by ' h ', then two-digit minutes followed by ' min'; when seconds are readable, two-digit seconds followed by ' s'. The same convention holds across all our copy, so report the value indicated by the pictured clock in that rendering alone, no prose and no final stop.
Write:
8 h 25 min
